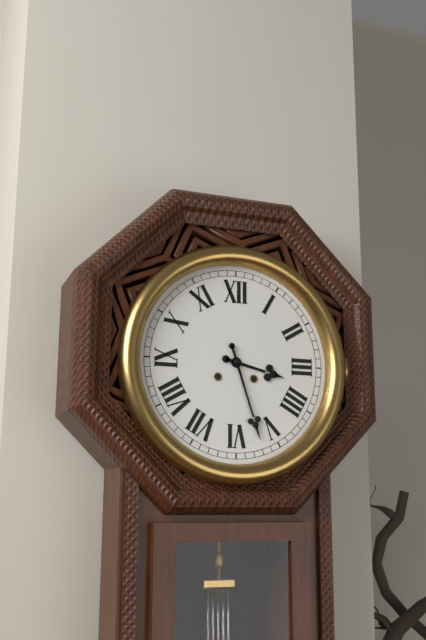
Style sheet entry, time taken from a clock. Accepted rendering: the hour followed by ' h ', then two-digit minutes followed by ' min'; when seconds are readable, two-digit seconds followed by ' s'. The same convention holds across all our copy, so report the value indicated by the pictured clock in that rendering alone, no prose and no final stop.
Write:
3 h 27 min
